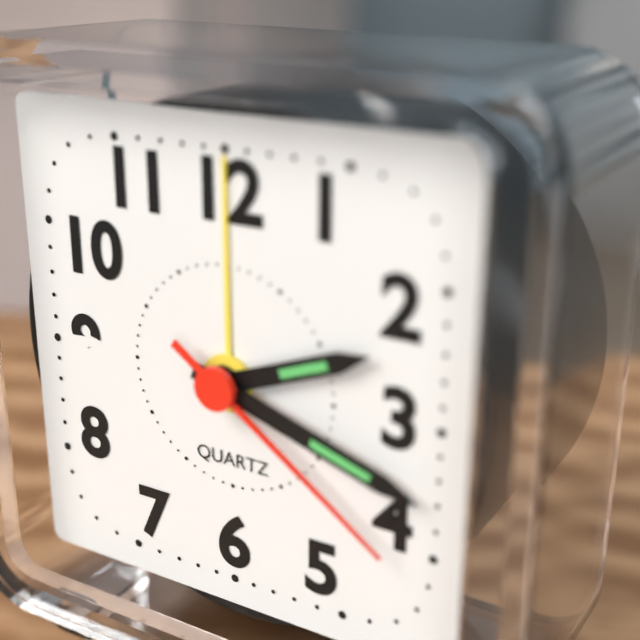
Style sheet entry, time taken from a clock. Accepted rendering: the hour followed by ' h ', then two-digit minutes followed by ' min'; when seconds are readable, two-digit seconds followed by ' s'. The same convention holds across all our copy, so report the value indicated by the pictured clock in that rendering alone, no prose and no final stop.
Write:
2 h 18 min 21 s
